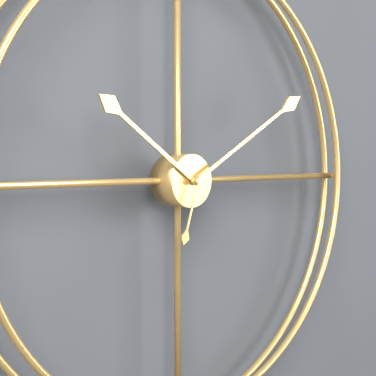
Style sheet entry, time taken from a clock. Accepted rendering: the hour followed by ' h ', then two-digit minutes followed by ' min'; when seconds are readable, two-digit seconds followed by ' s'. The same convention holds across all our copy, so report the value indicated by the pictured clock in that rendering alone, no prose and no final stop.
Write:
10 h 10 min 33 s
